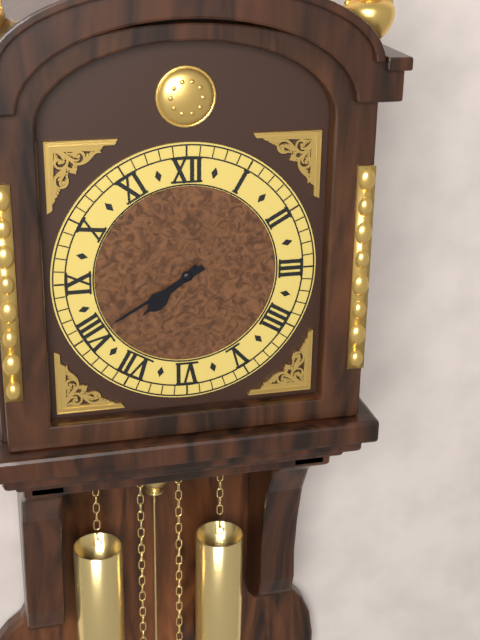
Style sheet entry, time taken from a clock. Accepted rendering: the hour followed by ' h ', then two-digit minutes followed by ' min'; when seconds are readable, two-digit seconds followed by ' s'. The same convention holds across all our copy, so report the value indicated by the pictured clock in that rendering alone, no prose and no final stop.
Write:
7 h 40 min
